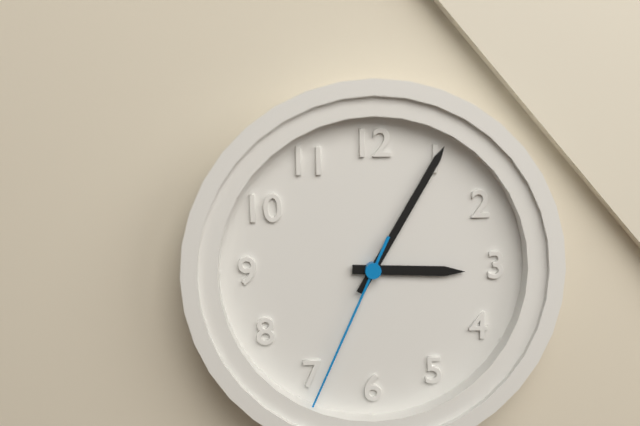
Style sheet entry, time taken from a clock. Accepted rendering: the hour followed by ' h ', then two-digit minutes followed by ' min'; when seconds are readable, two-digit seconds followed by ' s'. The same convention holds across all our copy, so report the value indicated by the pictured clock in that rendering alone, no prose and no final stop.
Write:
3 h 05 min 34 s
